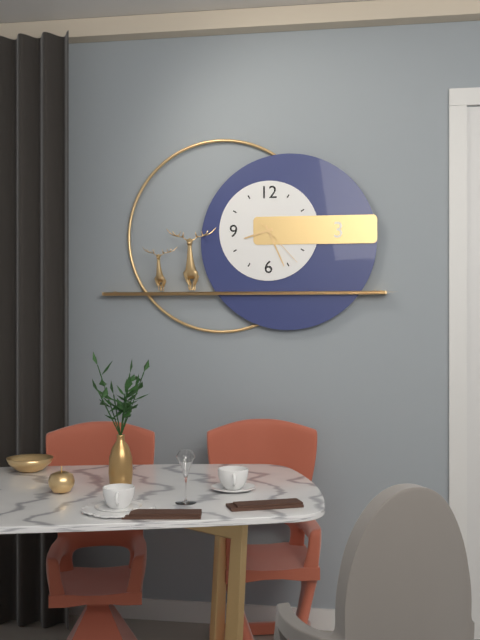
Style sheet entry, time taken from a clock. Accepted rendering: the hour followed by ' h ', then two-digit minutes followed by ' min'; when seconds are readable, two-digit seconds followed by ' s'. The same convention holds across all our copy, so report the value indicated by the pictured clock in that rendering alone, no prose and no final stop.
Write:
8 h 26 min 23 s
